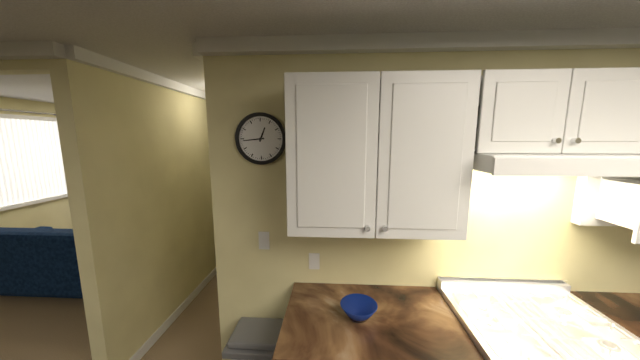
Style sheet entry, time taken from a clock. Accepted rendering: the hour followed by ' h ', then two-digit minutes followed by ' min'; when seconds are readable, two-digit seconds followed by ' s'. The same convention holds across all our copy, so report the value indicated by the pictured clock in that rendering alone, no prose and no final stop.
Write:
12 h 44 min
